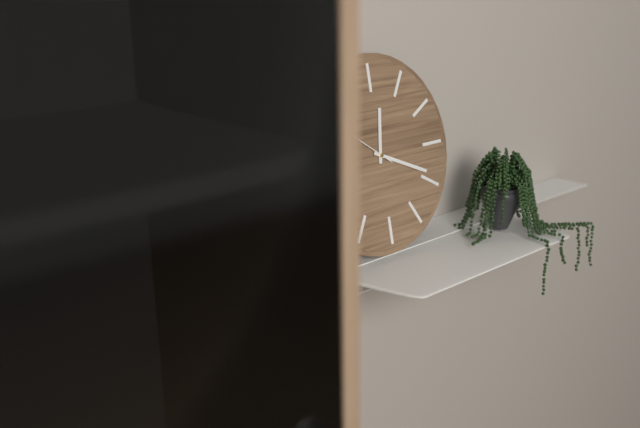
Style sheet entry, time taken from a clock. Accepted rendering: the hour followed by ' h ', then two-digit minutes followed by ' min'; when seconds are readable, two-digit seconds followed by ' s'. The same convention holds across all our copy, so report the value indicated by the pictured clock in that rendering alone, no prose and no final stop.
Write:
12 h 19 min
